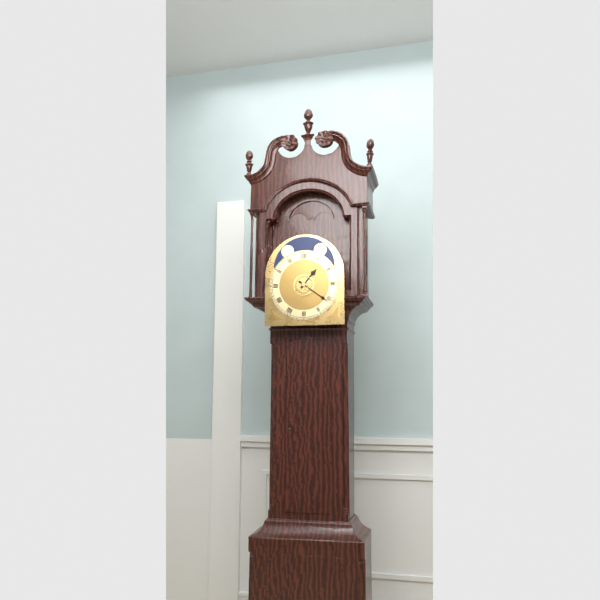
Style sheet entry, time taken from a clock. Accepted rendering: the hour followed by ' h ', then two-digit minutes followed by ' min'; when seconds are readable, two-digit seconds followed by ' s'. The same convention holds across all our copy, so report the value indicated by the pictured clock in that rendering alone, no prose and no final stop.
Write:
1 h 21 min
